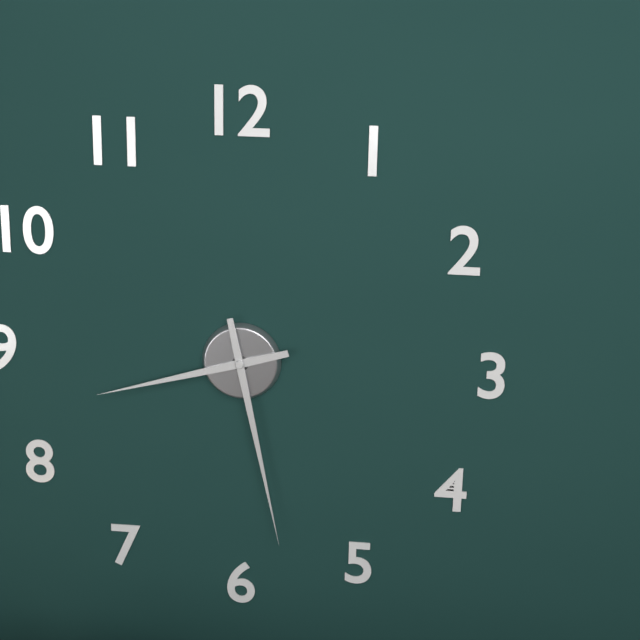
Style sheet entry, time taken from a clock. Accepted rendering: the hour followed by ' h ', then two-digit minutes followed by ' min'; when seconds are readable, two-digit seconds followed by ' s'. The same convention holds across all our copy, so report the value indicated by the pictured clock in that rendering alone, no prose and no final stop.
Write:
8 h 28 min
